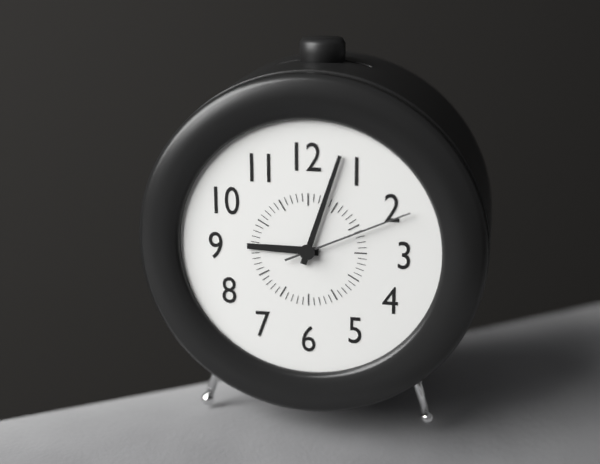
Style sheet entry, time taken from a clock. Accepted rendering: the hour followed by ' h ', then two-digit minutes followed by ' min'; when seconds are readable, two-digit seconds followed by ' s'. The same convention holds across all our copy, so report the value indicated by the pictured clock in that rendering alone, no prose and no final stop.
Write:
9 h 03 min 11 s
